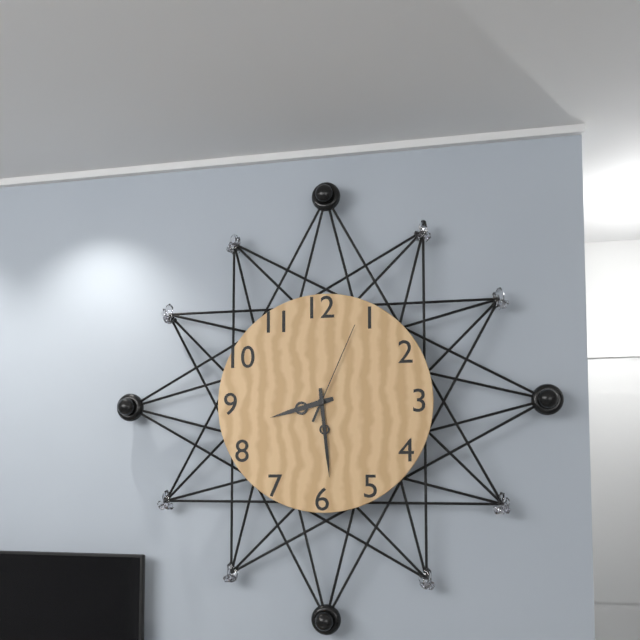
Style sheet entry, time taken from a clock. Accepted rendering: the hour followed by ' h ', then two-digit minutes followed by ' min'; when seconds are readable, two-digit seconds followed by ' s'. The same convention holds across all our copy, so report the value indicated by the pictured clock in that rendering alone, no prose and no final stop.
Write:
8 h 29 min 04 s
